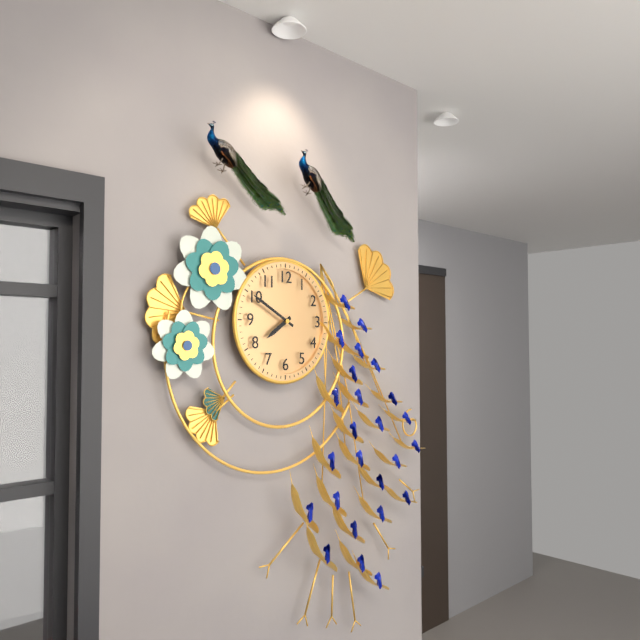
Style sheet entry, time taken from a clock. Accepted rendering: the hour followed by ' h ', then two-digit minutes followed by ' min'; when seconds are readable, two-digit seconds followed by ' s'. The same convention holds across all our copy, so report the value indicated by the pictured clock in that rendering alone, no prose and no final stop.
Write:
7 h 50 min
